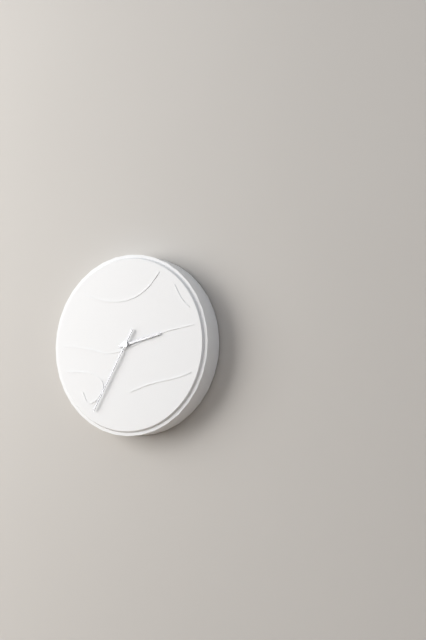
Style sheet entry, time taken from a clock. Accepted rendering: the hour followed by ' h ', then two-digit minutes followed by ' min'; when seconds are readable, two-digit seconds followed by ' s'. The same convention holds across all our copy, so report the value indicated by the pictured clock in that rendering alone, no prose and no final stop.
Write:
2 h 35 min
